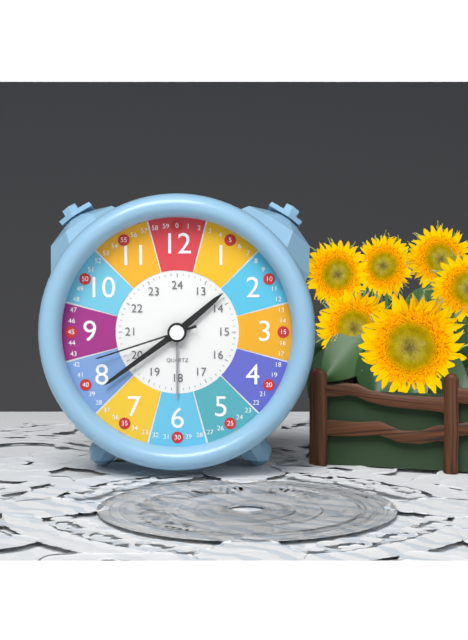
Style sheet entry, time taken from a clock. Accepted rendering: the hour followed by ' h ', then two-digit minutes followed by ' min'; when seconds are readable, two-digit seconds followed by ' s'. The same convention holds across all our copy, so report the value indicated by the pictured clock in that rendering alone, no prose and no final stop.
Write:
1 h 39 min 42 s
